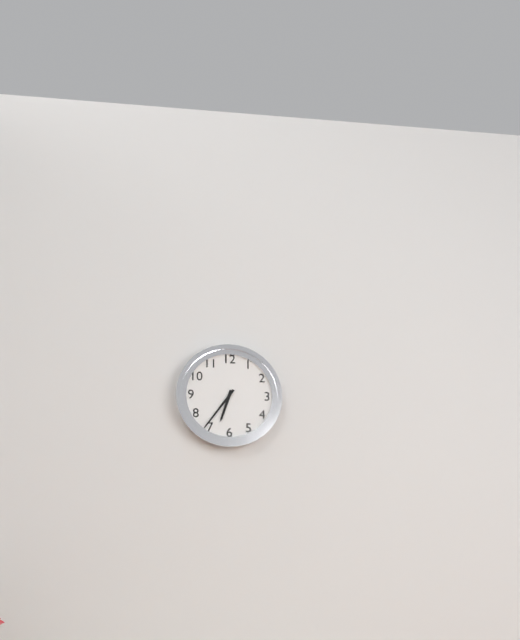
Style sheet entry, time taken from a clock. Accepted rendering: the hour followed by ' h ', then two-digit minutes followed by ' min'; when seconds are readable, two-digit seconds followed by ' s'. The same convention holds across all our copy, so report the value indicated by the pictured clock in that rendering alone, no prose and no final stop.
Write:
6 h 36 min
